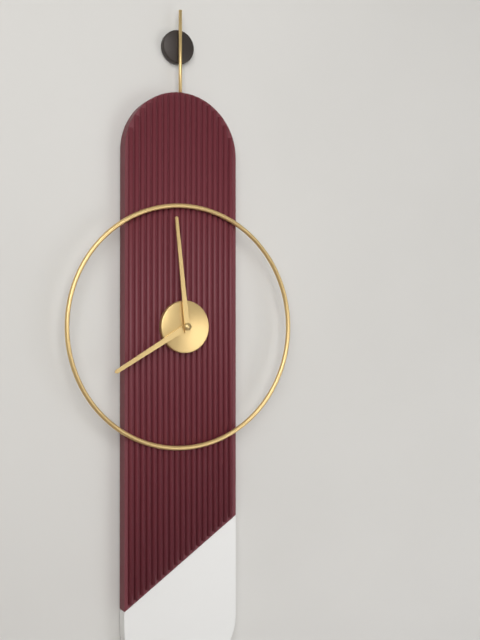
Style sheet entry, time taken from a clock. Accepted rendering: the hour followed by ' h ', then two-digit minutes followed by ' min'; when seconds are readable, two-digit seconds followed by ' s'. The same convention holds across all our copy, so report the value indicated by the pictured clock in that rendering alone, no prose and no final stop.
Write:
7 h 59 min
